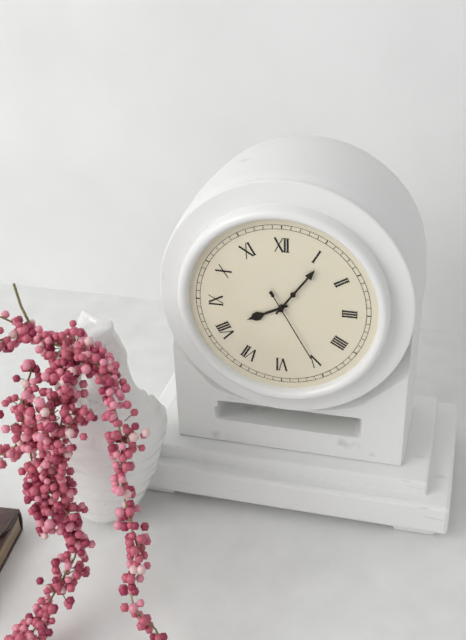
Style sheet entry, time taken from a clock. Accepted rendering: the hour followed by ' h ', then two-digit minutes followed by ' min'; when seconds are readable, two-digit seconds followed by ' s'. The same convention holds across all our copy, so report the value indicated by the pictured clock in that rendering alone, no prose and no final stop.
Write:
8 h 06 min 25 s
